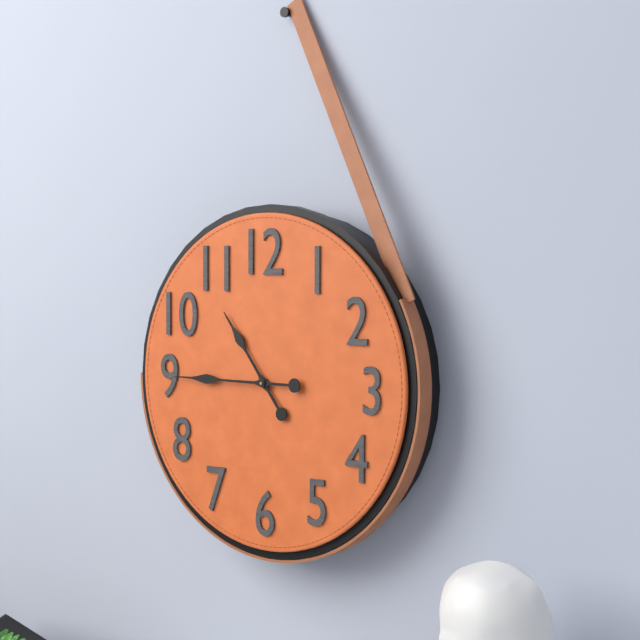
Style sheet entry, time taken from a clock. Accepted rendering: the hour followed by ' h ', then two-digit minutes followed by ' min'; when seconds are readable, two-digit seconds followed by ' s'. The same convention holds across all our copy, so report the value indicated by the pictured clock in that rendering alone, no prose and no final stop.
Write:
10 h 45 min
